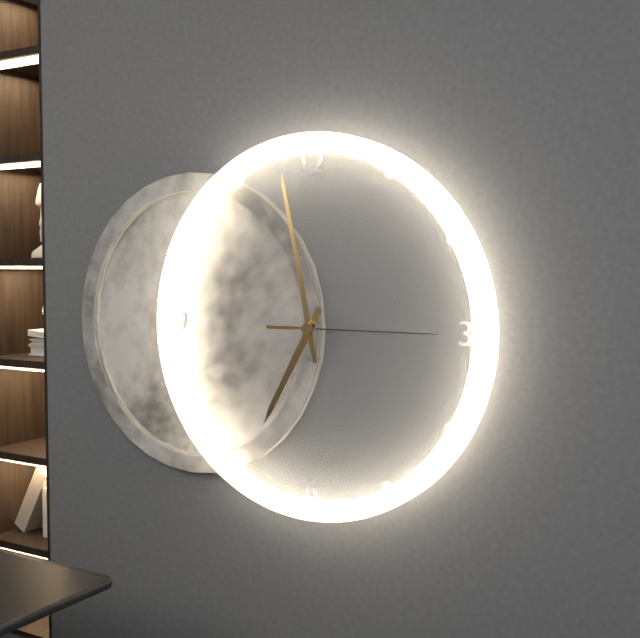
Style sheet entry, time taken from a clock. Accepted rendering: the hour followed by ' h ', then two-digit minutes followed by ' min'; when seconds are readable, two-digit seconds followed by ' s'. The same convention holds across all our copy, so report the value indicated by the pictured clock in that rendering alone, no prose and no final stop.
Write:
6 h 58 min 15 s
